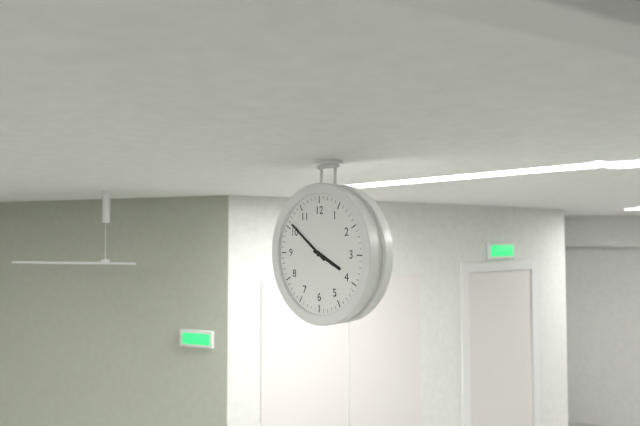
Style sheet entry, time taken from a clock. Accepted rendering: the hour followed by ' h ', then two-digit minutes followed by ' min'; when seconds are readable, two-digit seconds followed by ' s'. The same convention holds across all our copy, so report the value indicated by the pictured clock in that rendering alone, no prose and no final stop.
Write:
3 h 51 min
